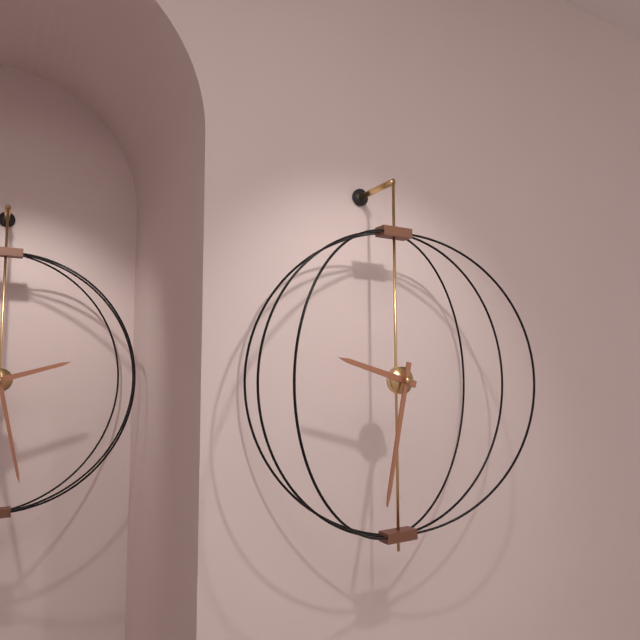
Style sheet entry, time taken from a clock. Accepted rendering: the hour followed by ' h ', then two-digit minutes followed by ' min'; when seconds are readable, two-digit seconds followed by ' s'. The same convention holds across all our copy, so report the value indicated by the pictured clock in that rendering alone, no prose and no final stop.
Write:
9 h 32 min
